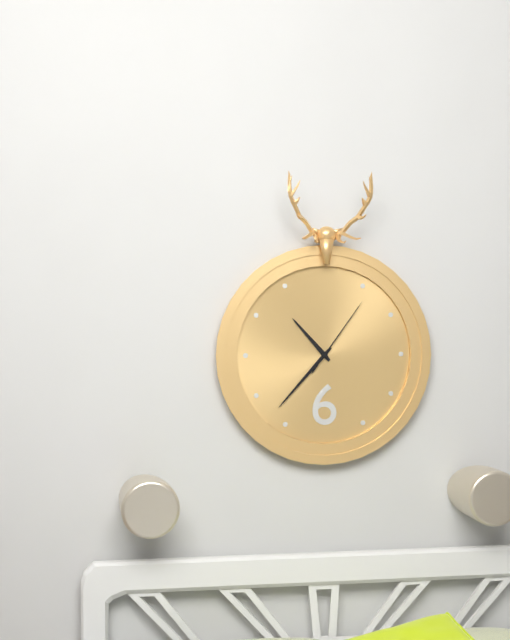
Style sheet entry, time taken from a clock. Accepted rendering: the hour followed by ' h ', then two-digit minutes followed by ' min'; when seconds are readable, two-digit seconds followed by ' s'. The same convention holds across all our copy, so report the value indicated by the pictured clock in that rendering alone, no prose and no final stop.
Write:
10 h 37 min 06 s
